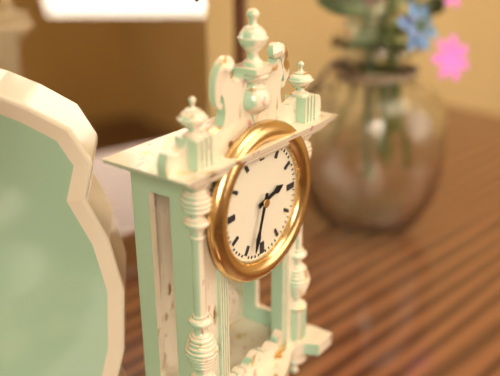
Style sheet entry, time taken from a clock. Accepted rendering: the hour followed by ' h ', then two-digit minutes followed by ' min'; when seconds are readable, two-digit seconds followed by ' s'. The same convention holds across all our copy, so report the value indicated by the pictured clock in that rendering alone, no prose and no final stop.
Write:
2 h 33 min
